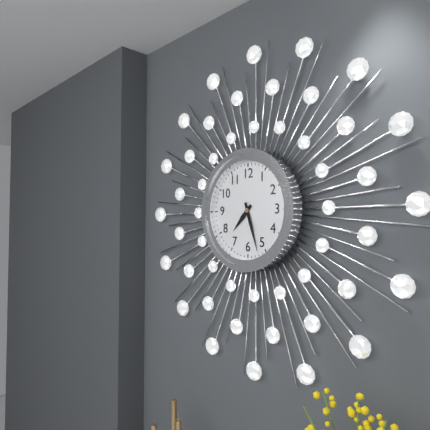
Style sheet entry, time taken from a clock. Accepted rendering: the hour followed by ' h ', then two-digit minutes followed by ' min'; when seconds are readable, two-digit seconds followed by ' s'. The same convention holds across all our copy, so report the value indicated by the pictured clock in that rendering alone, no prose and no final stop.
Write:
7 h 27 min
